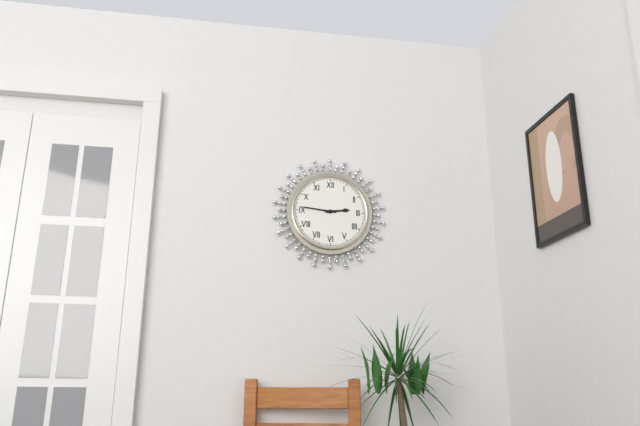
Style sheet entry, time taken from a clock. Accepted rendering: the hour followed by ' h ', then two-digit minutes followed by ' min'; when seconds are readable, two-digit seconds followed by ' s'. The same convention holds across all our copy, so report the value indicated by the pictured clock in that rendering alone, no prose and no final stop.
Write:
2 h 46 min
